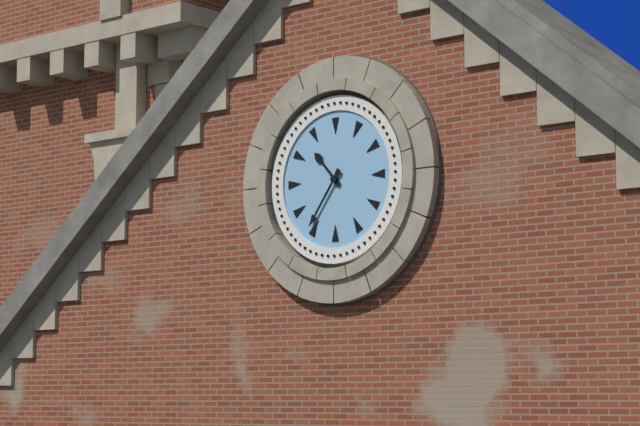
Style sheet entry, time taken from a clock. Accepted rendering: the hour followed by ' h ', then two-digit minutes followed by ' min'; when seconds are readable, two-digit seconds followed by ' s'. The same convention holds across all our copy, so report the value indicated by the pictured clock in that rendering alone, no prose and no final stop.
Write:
10 h 36 min
